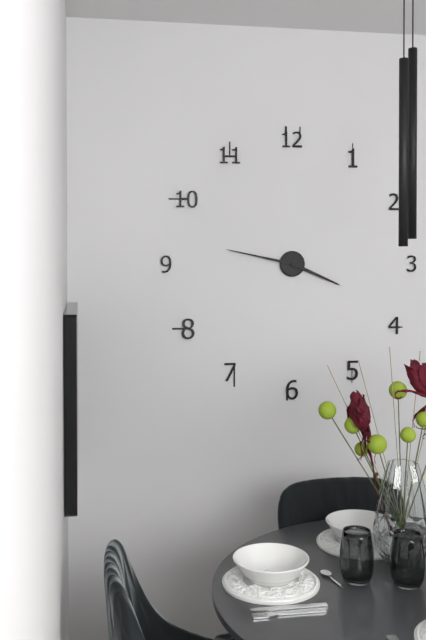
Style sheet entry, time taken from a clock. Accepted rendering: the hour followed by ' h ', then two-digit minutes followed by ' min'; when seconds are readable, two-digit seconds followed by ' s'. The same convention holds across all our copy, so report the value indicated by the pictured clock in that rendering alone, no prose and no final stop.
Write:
3 h 47 min
